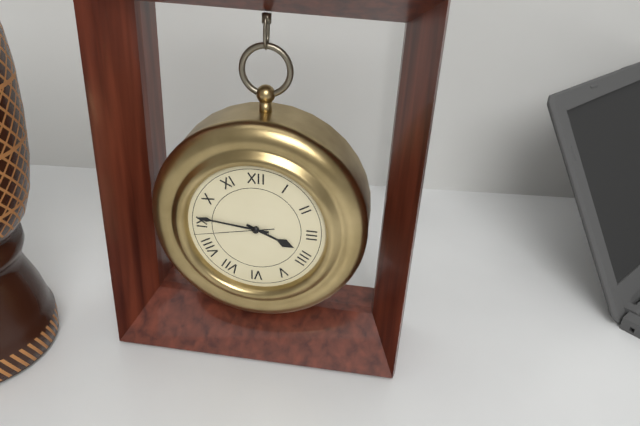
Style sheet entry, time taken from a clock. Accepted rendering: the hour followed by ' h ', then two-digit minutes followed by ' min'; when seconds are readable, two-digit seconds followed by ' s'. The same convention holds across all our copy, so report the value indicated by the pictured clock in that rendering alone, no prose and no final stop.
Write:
3 h 46 min 43 s
